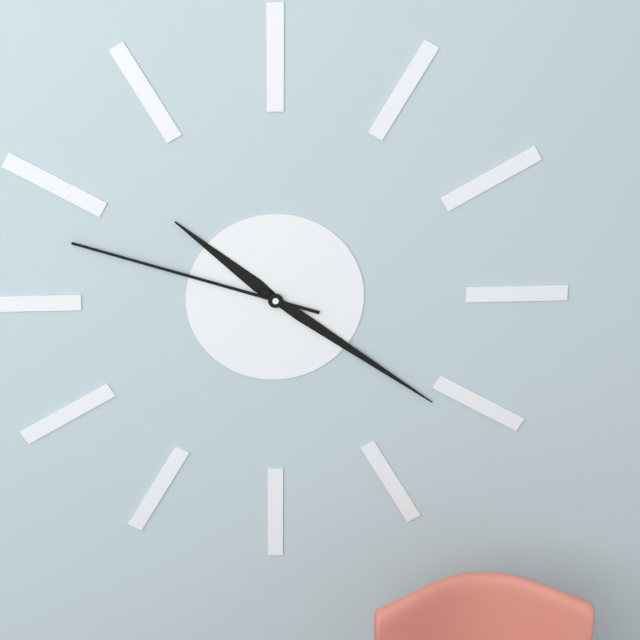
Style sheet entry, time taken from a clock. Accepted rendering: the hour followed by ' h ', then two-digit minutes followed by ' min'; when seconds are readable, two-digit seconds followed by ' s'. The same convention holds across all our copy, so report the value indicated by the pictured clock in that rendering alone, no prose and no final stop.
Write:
10 h 21 min 48 s
